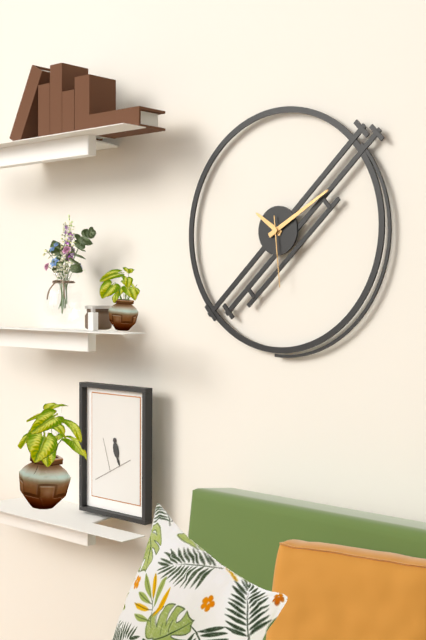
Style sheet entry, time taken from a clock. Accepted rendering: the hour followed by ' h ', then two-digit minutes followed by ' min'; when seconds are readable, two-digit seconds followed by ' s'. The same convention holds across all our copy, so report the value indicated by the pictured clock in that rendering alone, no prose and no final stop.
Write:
10 h 10 min 29 s
